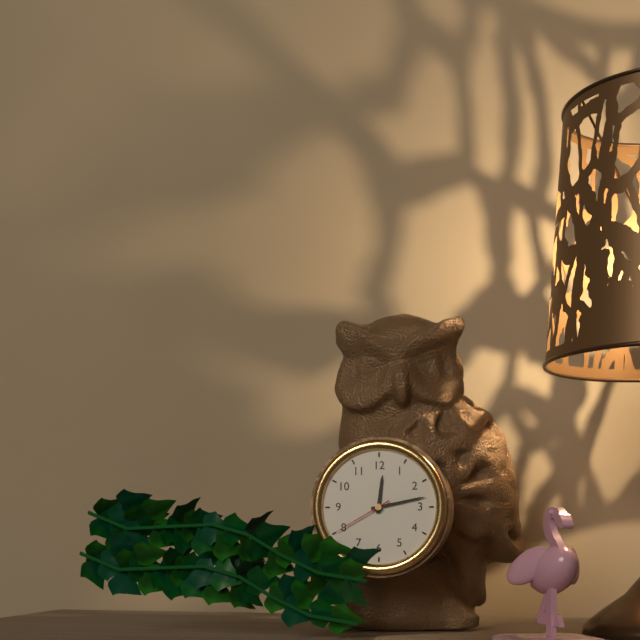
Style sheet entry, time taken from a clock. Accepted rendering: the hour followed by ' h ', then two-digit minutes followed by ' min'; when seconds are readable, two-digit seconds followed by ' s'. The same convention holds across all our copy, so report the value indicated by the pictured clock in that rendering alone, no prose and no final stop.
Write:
12 h 13 min 40 s
